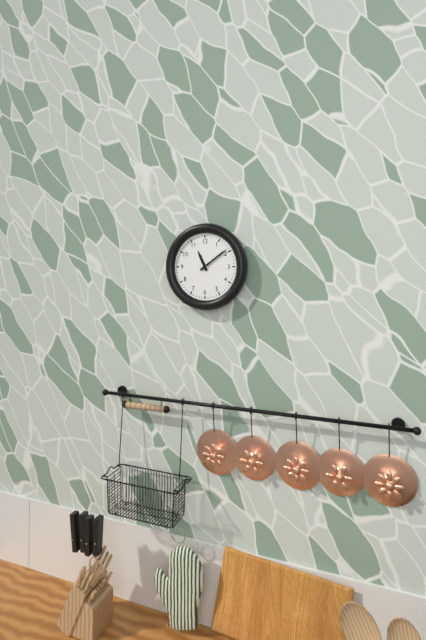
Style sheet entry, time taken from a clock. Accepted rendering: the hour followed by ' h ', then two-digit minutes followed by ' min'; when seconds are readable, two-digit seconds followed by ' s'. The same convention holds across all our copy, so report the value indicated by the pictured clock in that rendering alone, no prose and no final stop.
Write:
11 h 09 min
